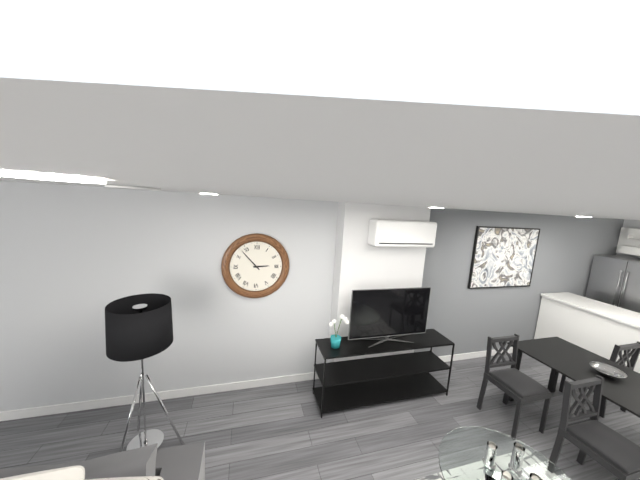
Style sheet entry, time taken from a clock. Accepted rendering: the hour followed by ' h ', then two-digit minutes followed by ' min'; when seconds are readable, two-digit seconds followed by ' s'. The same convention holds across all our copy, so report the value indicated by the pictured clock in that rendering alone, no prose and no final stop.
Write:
2 h 53 min
